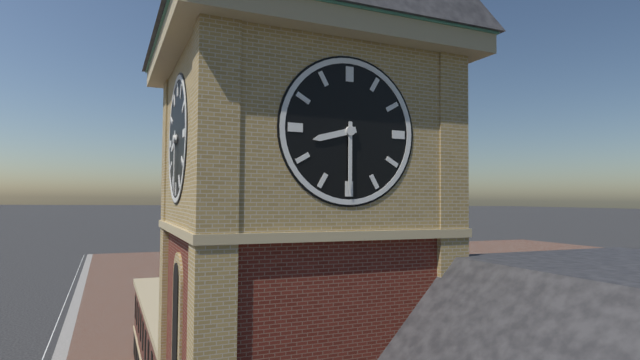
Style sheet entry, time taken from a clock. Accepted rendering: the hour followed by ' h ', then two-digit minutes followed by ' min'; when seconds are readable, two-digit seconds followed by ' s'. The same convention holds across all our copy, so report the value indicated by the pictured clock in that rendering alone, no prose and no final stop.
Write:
8 h 30 min
